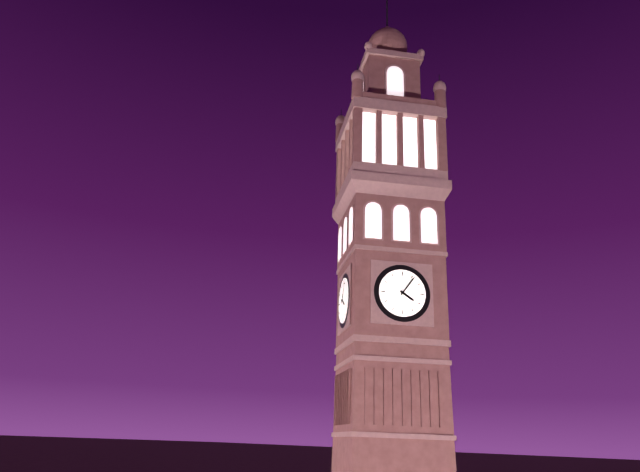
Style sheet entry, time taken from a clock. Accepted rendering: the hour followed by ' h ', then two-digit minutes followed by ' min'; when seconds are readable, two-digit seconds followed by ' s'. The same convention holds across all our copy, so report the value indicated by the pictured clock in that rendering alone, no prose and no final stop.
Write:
4 h 06 min
